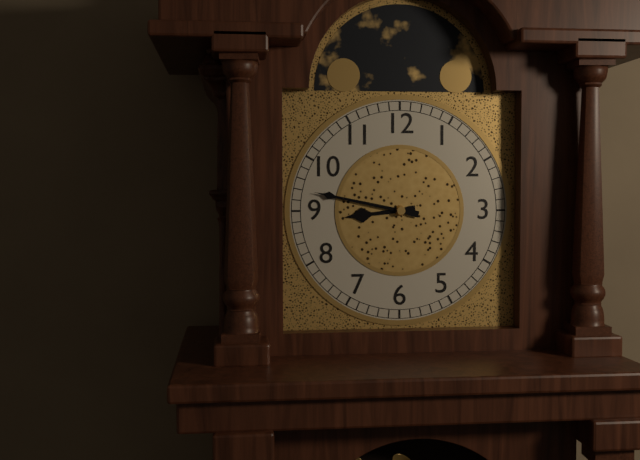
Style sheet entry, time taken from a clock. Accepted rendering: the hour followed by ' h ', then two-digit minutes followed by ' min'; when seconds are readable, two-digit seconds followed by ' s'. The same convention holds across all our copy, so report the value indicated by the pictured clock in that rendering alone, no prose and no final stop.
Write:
8 h 47 min
